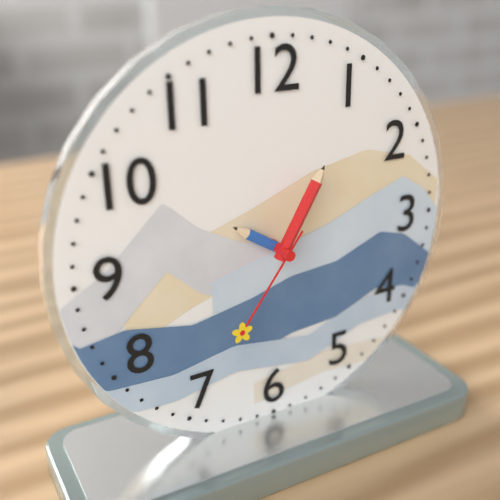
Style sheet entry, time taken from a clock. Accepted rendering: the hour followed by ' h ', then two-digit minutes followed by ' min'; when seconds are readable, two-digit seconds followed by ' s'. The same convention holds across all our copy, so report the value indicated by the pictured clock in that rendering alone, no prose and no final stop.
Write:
10 h 05 min 36 s
